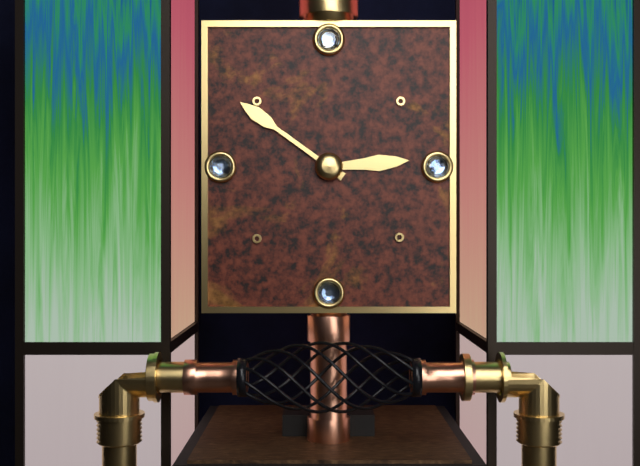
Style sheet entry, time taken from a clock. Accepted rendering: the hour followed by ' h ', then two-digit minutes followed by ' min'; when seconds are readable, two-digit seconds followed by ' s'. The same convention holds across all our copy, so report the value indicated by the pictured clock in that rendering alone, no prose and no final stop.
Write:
2 h 51 min
